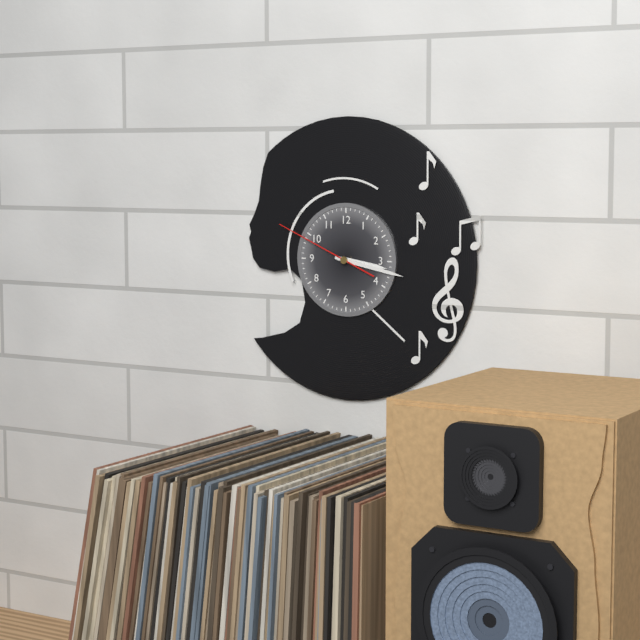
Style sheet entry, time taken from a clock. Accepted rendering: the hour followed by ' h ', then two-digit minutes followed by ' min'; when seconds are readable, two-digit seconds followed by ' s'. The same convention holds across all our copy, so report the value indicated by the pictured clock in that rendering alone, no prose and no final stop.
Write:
3 h 17 min 49 s
